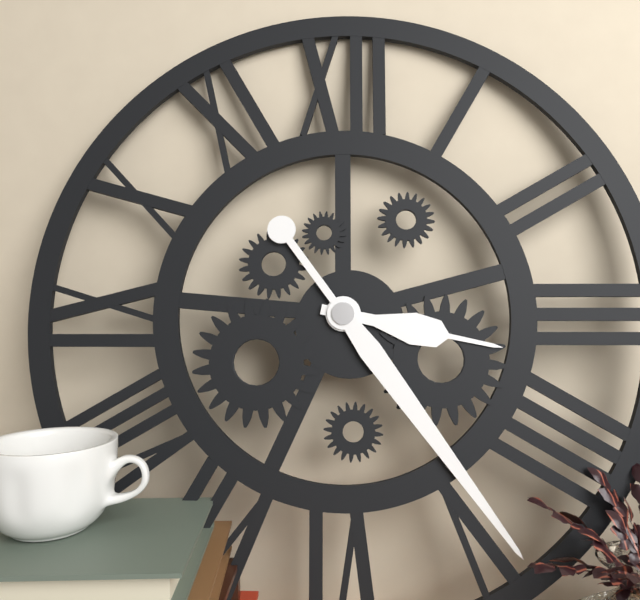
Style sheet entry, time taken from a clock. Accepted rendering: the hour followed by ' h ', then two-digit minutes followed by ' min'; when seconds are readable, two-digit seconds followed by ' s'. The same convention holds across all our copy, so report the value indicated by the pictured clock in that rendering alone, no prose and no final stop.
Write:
3 h 24 min
